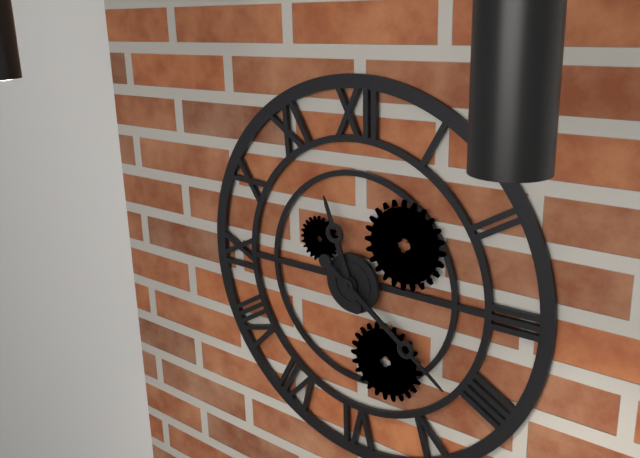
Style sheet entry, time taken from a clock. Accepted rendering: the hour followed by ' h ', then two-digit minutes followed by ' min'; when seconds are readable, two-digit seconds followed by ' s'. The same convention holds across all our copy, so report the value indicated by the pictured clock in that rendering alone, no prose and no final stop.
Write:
11 h 21 min
